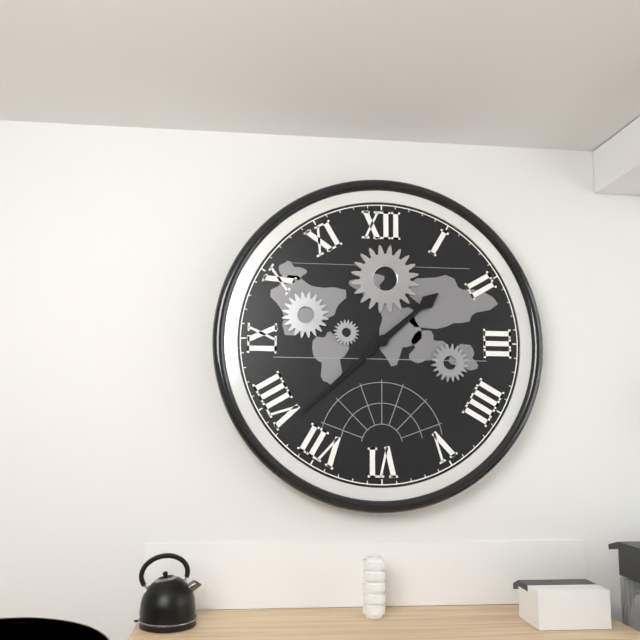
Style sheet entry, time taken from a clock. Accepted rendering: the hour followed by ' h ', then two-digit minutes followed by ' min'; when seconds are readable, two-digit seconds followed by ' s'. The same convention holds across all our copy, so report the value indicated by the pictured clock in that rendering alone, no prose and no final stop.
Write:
1 h 38 min
